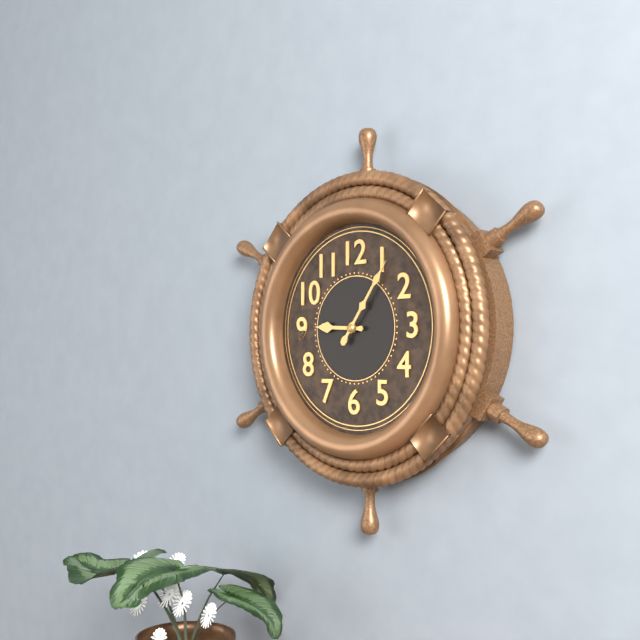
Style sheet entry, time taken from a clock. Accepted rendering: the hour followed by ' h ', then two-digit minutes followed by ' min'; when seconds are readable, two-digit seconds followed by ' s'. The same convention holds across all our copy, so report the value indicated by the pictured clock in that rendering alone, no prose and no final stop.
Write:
9 h 06 min
